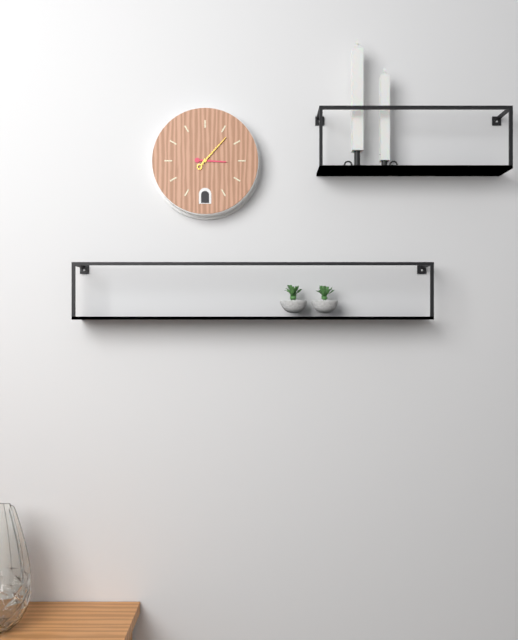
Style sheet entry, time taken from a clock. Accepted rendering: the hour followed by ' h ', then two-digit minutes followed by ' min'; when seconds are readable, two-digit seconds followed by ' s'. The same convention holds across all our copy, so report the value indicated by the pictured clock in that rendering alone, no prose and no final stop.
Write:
3 h 07 min
